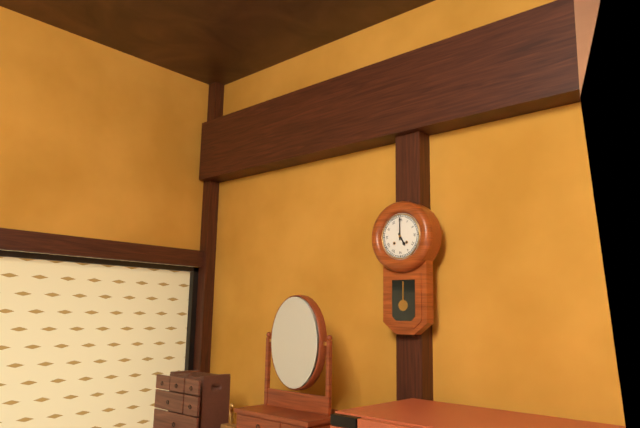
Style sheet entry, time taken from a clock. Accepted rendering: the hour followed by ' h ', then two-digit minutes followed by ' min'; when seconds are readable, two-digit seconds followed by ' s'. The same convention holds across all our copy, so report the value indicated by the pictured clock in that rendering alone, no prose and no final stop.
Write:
5 h 00 min
